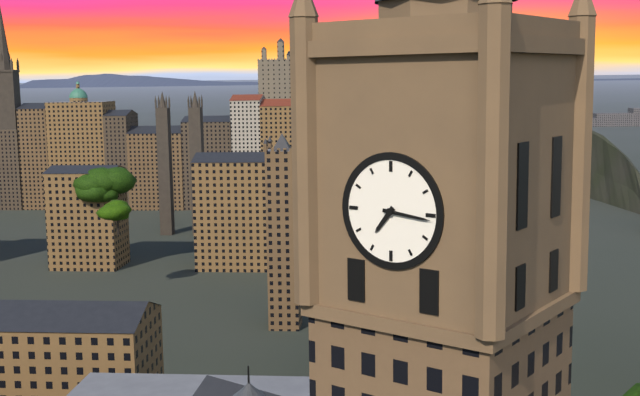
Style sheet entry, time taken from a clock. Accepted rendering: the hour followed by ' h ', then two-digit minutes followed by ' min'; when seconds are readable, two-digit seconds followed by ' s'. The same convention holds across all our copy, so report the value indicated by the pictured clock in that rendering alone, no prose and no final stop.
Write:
7 h 16 min
